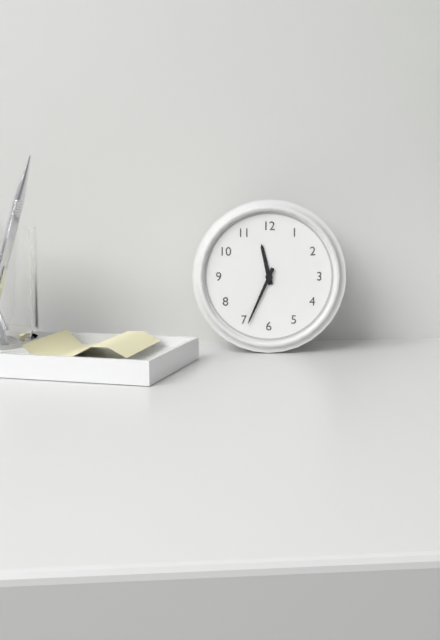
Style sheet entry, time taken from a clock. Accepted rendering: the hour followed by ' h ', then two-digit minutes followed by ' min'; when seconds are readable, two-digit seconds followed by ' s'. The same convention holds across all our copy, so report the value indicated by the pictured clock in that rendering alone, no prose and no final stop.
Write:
11 h 34 min
